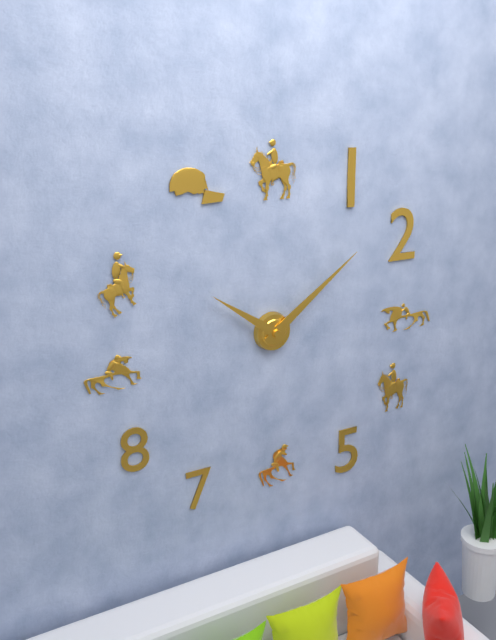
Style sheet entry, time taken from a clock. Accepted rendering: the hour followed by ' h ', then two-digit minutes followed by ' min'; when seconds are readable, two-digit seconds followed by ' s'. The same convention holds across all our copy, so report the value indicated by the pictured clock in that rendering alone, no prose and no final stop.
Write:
10 h 09 min
